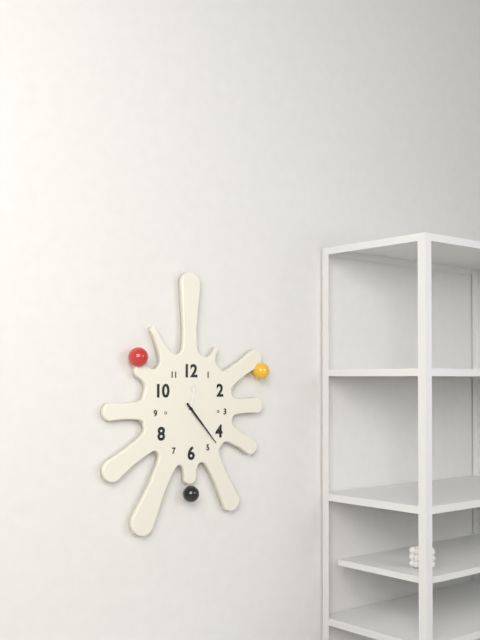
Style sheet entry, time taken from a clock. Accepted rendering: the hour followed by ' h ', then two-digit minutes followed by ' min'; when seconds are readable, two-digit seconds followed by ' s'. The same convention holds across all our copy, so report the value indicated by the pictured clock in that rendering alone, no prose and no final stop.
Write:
12 h 23 min
